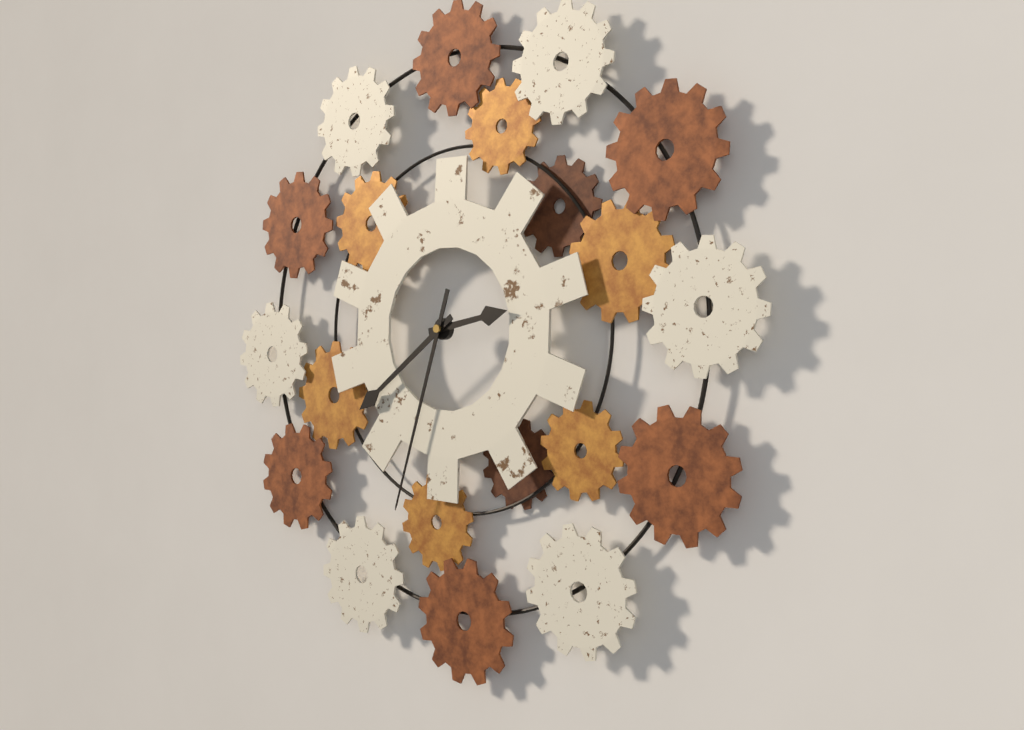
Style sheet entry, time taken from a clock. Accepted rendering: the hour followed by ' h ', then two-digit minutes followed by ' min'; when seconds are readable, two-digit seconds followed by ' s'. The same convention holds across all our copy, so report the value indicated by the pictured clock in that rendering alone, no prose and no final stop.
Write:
2 h 39 min 33 s
